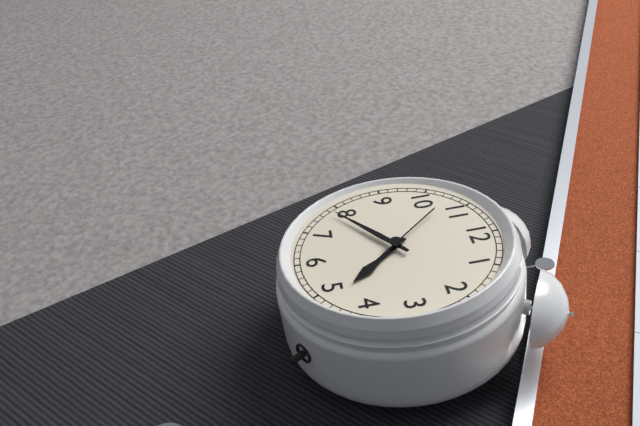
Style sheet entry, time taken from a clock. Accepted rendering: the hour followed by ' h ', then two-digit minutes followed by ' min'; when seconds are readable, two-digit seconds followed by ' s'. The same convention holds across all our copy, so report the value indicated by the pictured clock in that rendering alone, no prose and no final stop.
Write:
4 h 39 min 53 s
